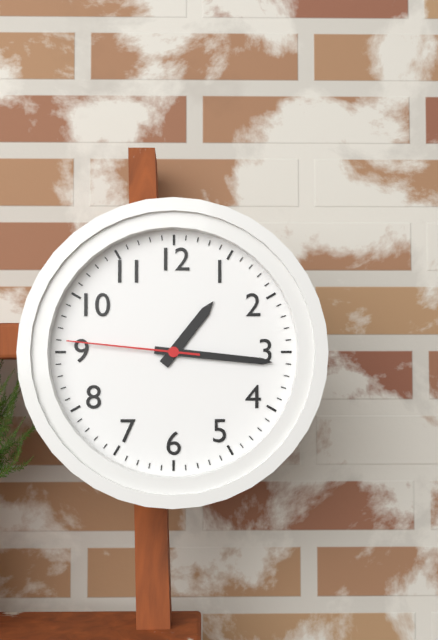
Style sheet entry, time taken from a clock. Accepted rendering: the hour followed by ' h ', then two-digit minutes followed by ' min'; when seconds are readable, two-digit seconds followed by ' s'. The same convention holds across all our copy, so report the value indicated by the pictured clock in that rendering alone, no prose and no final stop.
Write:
1 h 16 min 46 s
